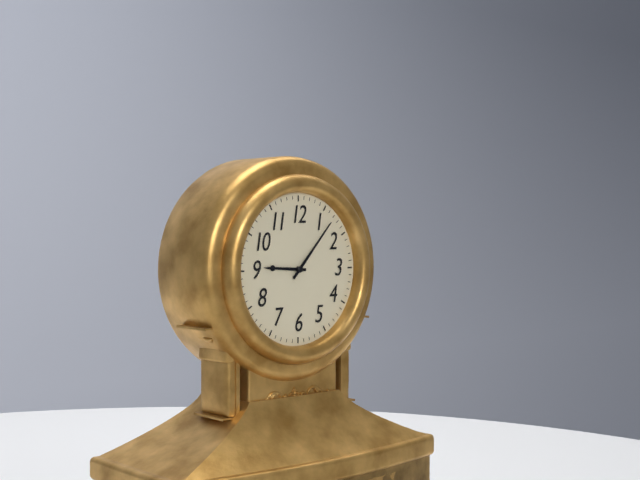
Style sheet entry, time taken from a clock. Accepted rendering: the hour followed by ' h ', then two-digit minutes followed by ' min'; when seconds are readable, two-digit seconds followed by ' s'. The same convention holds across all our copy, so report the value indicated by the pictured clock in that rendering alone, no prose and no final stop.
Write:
9 h 07 min
